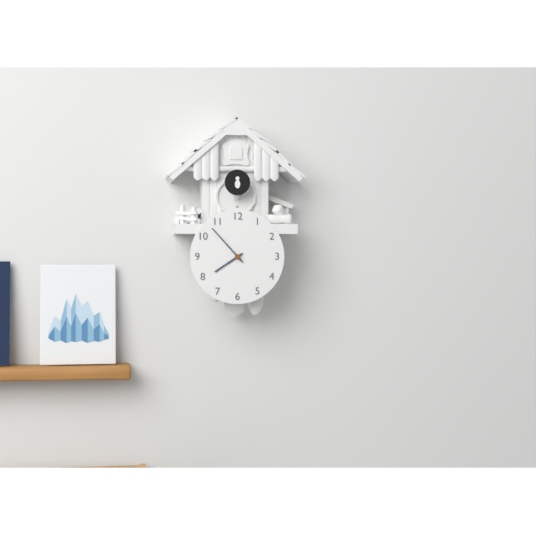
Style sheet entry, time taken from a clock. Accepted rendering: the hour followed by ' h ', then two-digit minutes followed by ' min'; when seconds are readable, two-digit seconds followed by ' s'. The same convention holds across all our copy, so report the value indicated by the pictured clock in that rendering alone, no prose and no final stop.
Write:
7 h 53 min
